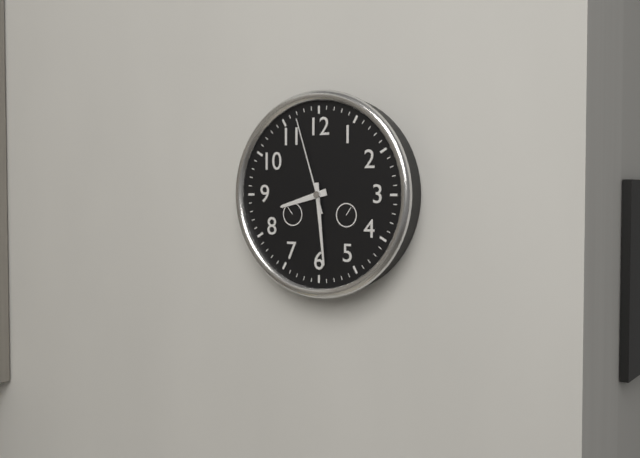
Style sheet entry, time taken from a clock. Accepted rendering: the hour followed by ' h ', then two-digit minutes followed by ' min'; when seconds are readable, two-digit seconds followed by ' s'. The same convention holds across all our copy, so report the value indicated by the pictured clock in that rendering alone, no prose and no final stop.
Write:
8 h 29 min 57 s
